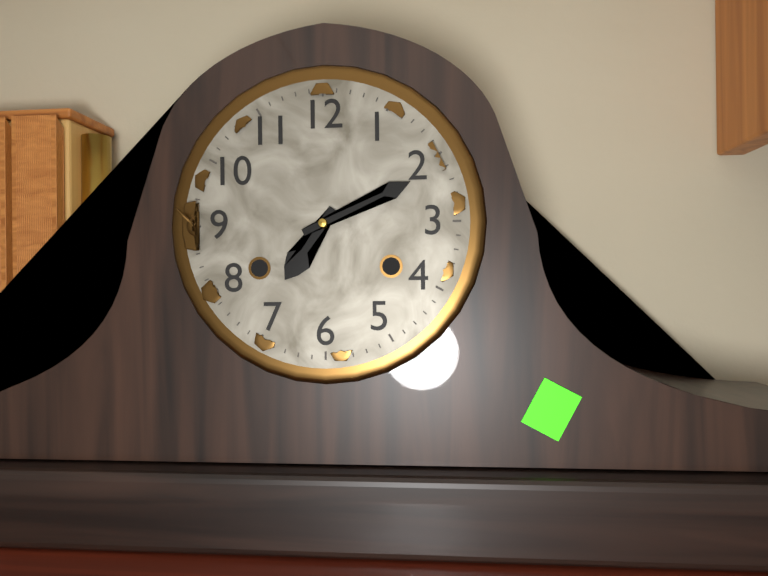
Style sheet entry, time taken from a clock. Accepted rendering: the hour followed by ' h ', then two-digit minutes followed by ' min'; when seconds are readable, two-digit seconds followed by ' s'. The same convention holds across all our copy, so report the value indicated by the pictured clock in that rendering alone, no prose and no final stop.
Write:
7 h 11 min
